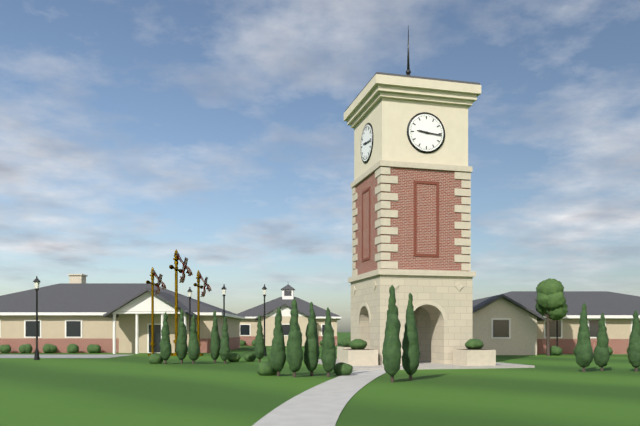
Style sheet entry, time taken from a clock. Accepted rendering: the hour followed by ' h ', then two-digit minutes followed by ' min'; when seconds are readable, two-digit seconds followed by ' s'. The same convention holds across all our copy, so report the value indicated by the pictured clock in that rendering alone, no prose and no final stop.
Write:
9 h 16 min
